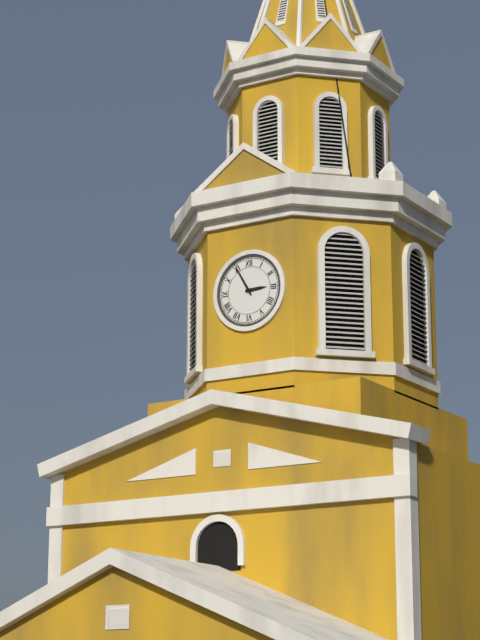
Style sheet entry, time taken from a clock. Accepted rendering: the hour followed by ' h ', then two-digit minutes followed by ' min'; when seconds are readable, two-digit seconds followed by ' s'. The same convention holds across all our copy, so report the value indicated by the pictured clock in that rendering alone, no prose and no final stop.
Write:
2 h 55 min
